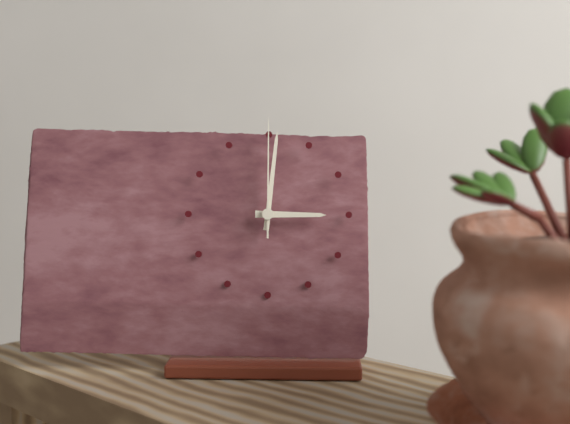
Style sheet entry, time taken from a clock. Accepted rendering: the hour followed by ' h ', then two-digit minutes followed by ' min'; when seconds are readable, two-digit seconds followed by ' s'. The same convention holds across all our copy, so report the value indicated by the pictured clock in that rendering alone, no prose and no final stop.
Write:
3 h 01 min 00 s
